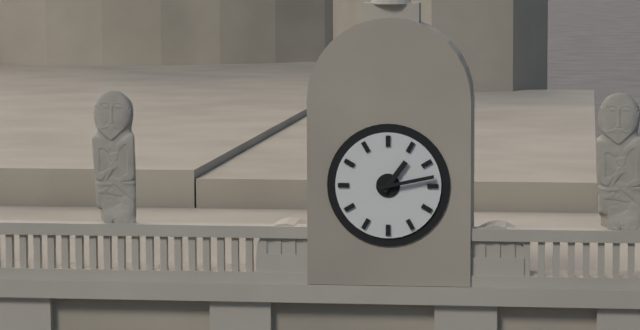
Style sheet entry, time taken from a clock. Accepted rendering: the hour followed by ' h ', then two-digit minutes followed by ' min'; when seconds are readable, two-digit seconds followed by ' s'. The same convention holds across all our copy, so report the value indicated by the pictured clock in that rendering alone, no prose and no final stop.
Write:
1 h 13 min
